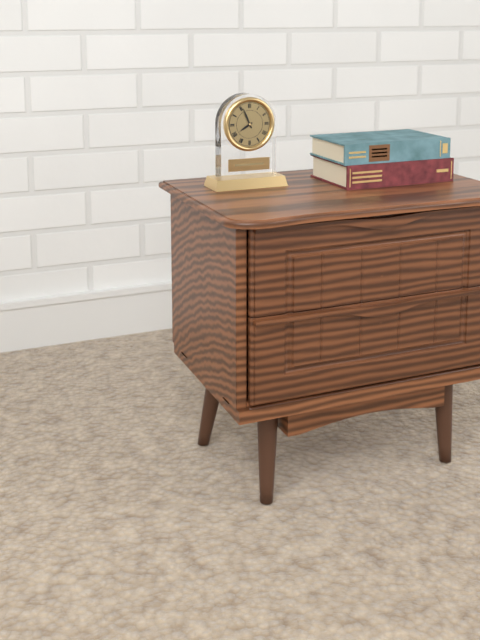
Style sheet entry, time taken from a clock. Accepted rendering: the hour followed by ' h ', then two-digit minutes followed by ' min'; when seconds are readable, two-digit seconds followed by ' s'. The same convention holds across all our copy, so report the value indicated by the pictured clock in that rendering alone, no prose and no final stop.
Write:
7 h 56 min
